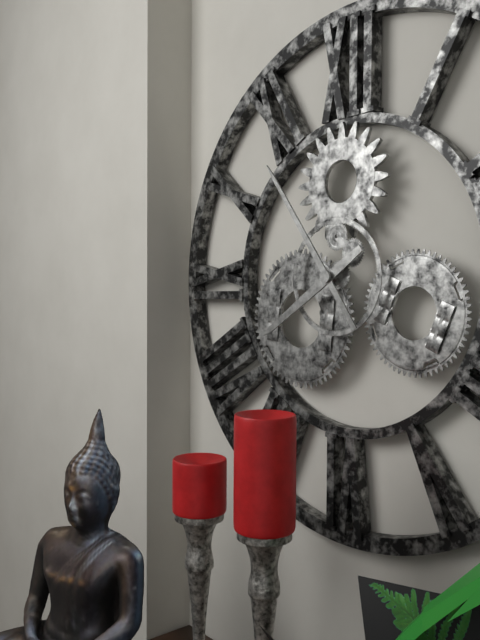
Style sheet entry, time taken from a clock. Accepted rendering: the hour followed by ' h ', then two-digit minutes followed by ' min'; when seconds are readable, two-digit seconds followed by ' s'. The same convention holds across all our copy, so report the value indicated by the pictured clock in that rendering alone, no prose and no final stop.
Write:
7 h 54 min
